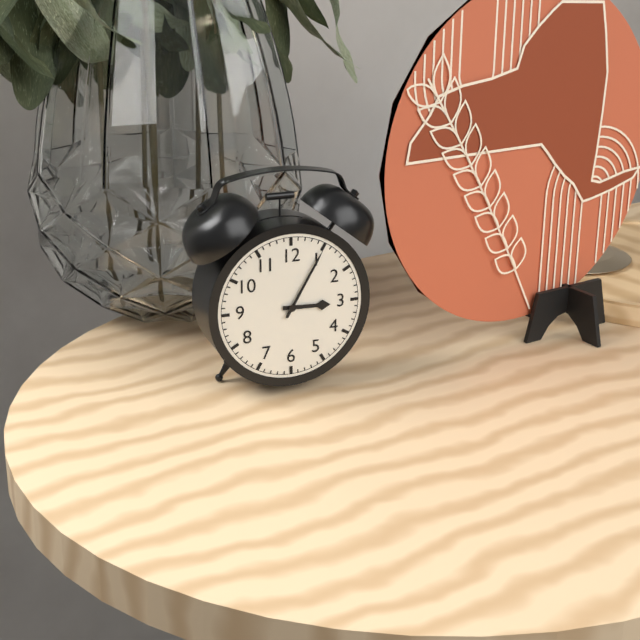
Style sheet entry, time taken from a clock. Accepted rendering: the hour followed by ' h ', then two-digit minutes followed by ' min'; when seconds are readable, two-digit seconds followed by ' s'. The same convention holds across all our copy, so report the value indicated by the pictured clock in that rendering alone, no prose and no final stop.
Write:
3 h 05 min
